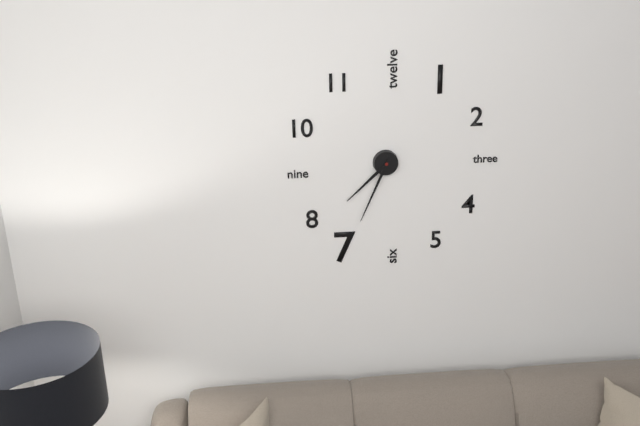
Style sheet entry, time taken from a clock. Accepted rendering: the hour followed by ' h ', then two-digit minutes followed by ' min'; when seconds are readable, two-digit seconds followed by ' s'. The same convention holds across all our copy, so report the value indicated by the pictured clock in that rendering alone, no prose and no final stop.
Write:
7 h 34 min
